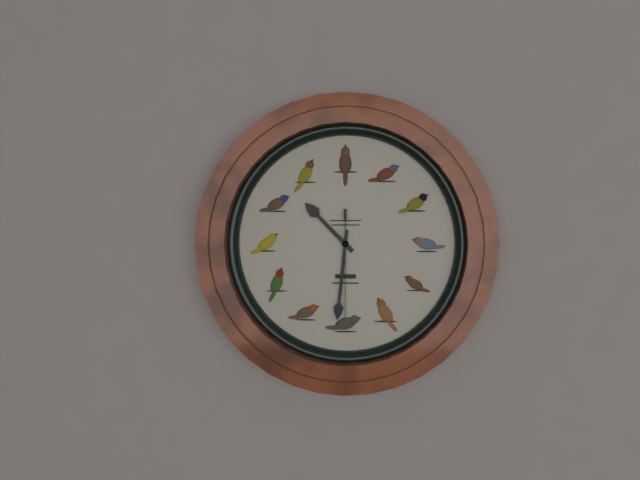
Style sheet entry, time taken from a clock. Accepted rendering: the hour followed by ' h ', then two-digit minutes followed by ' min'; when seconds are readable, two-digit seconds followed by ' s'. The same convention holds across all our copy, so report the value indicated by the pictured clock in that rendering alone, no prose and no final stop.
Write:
10 h 31 min 30 s
